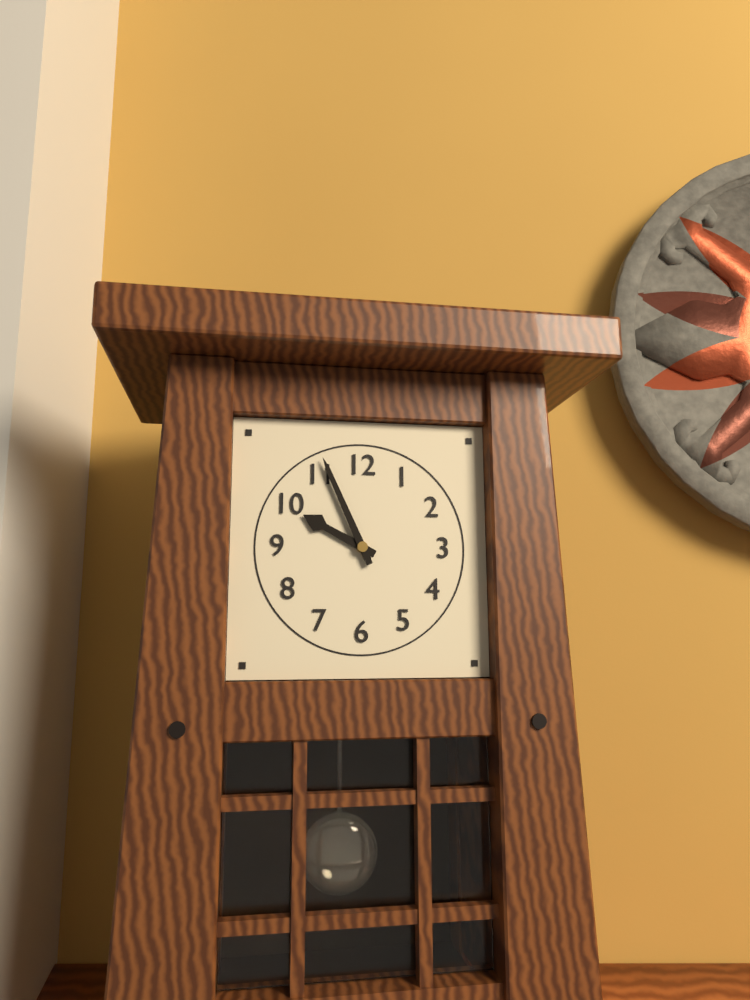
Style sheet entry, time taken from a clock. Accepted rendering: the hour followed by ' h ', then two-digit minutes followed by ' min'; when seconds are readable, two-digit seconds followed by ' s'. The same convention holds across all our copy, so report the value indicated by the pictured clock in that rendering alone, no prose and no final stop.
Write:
9 h 56 min
